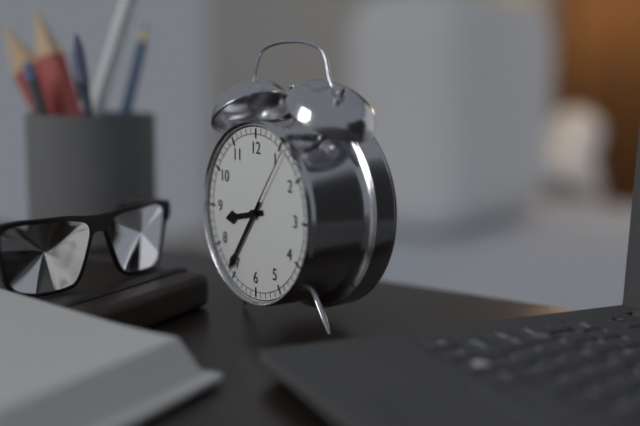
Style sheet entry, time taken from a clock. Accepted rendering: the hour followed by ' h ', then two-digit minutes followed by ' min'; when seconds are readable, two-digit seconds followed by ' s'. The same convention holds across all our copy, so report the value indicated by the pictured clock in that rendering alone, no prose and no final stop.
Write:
8 h 36 min 06 s
